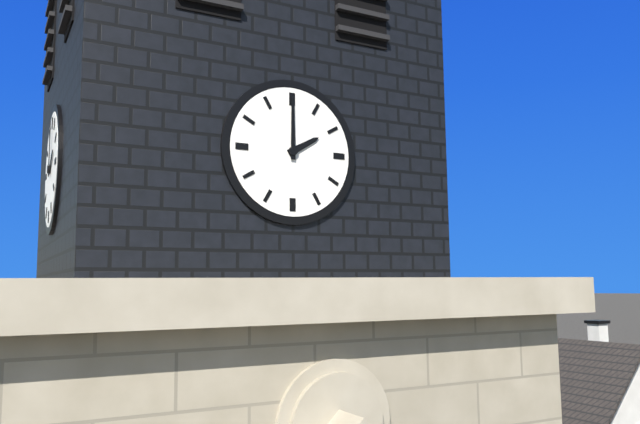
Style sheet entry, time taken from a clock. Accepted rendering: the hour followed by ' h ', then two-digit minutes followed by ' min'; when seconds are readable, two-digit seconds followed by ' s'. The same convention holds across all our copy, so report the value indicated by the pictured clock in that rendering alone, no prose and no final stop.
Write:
2 h 00 min
